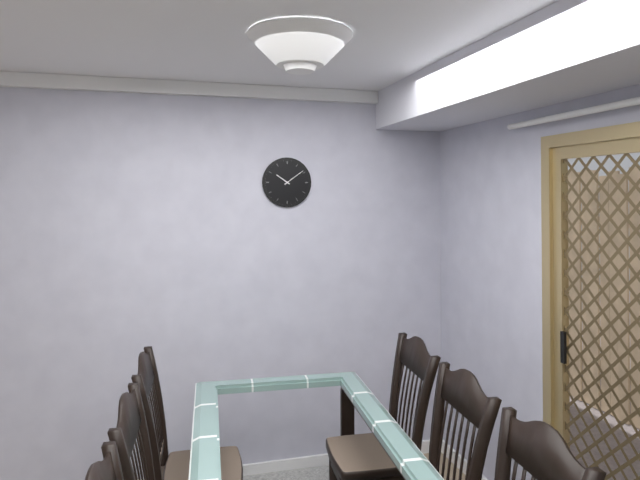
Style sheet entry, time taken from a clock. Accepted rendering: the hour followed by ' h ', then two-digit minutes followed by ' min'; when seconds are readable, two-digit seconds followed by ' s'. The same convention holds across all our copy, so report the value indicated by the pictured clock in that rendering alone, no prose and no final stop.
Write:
10 h 09 min
